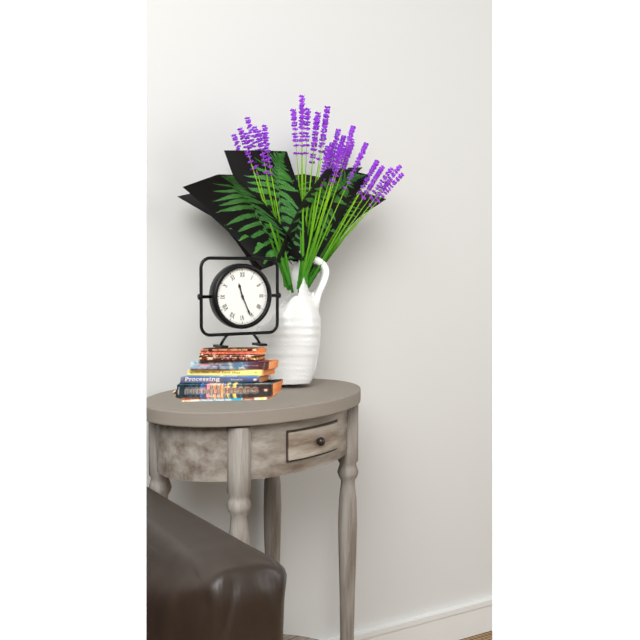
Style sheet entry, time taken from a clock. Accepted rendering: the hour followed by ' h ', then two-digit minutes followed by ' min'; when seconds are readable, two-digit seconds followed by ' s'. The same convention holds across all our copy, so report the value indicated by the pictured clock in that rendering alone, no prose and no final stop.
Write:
11 h 26 min
